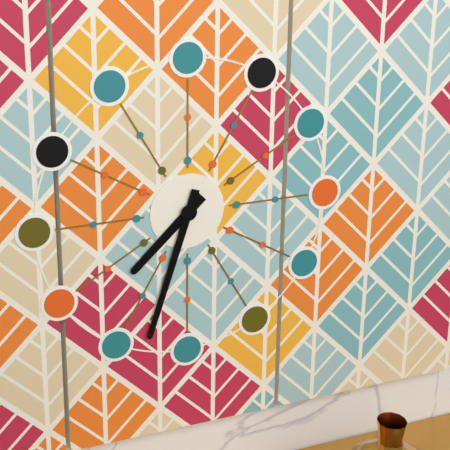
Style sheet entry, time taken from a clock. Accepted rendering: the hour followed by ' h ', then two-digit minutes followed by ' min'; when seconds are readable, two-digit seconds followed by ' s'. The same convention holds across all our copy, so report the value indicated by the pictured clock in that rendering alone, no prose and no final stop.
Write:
7 h 33 min
